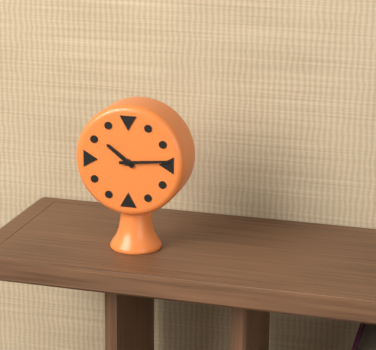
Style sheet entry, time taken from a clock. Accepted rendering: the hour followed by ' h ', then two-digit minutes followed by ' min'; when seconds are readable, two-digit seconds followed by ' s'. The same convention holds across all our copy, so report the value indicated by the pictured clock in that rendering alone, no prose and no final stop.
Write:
10 h 14 min
